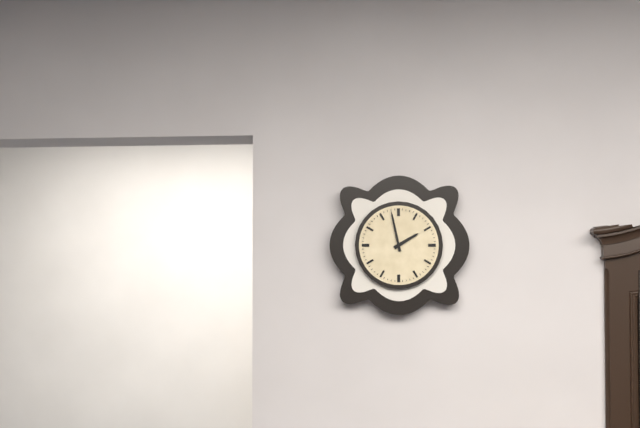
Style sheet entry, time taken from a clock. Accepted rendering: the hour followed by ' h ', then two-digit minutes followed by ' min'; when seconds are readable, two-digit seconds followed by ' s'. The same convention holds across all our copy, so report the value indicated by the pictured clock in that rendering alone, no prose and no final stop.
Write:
1 h 58 min
